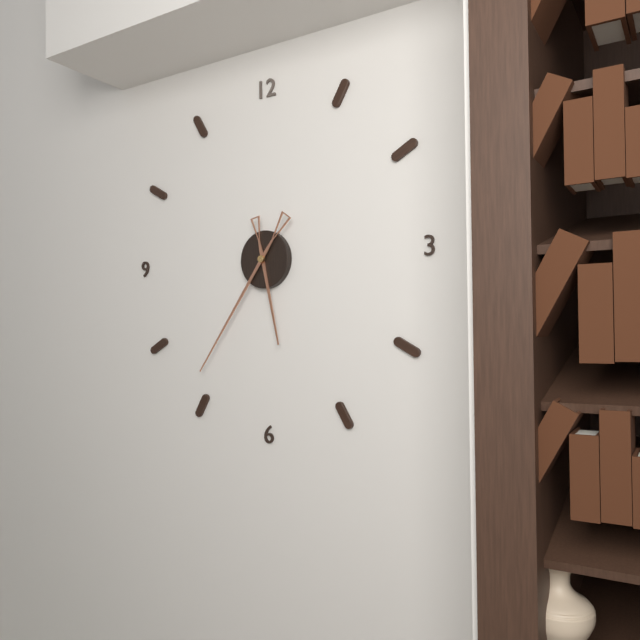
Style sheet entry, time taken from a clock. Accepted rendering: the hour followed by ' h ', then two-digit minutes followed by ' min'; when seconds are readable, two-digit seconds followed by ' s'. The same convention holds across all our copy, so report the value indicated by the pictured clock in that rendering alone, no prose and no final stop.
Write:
5 h 36 min
